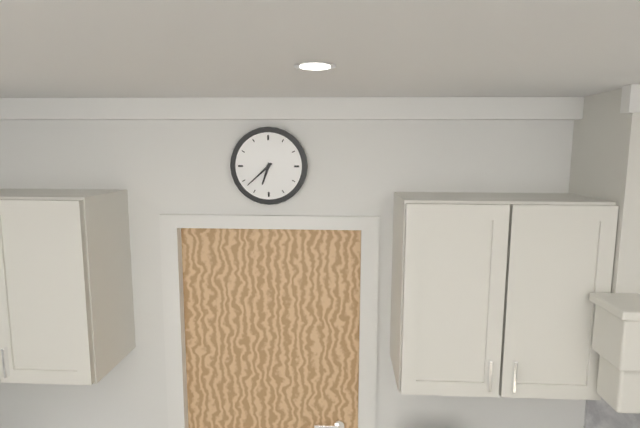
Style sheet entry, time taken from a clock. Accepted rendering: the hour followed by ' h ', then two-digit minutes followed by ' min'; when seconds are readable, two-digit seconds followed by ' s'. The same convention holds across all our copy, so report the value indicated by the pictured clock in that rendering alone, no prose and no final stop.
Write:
6 h 38 min
